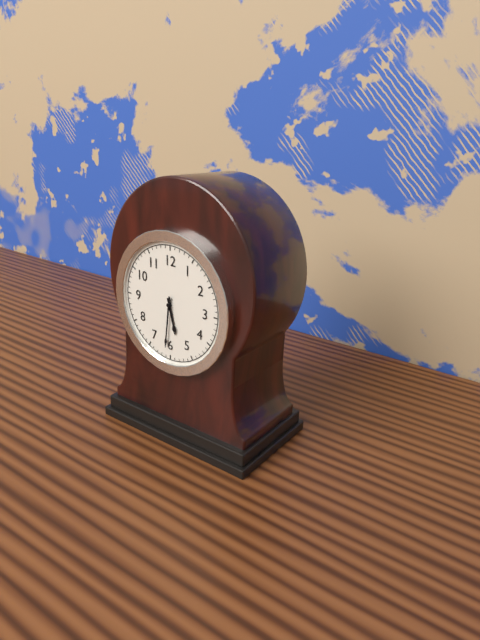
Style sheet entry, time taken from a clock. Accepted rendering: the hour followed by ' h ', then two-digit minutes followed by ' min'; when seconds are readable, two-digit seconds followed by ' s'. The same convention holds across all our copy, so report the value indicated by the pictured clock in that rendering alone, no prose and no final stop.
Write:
5 h 31 min
